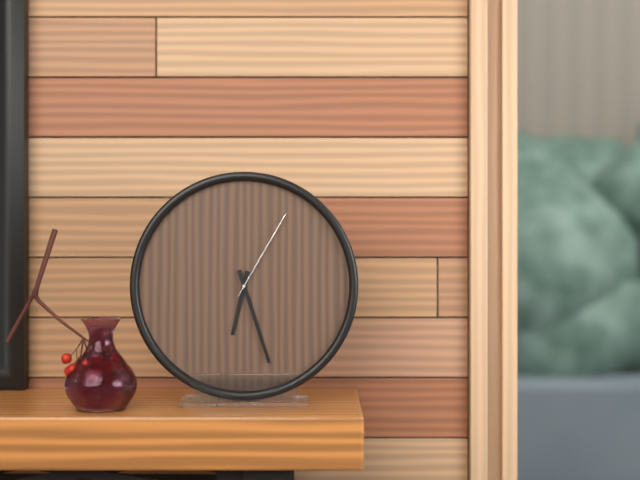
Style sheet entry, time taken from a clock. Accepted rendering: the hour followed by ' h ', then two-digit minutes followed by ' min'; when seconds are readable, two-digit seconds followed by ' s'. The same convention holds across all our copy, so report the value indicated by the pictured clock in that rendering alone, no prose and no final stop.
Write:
6 h 27 min 05 s
